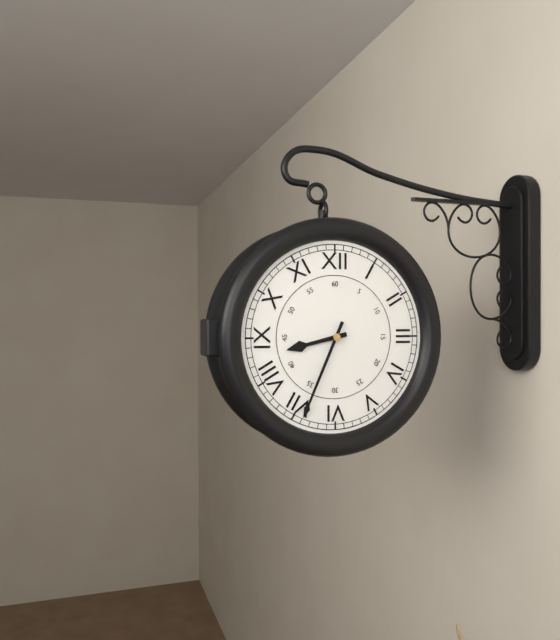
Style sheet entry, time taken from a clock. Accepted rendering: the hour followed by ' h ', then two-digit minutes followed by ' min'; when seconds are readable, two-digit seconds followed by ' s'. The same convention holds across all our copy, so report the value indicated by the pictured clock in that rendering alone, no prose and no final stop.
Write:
8 h 34 min
